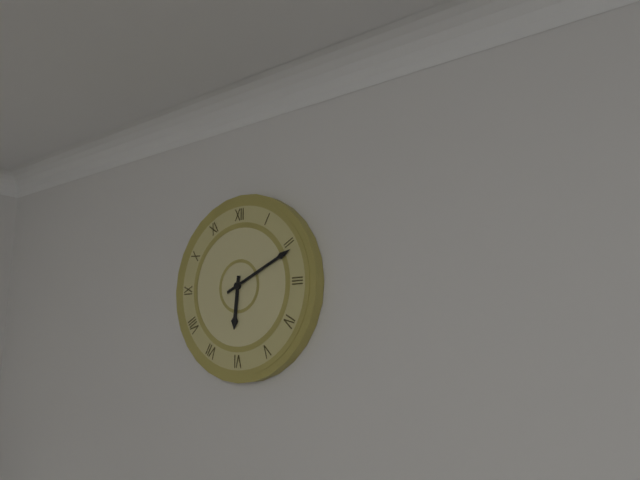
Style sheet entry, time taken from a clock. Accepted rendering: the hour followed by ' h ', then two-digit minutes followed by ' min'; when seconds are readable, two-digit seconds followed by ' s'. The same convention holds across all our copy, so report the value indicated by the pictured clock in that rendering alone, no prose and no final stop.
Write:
6 h 11 min
